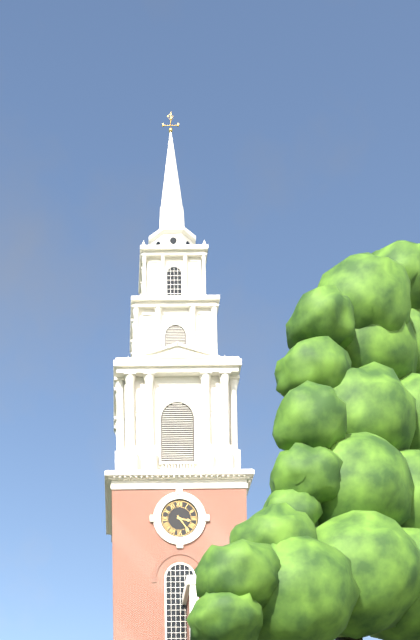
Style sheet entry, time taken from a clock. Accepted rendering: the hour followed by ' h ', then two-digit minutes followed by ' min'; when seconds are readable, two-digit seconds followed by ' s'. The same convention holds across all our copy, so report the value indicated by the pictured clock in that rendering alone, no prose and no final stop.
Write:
3 h 24 min
